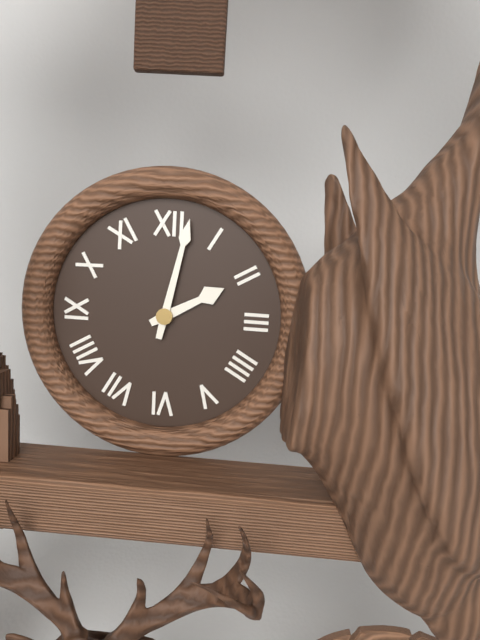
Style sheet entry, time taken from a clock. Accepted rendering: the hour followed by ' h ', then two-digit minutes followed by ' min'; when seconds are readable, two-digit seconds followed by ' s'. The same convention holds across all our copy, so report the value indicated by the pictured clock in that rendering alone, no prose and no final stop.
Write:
2 h 02 min
